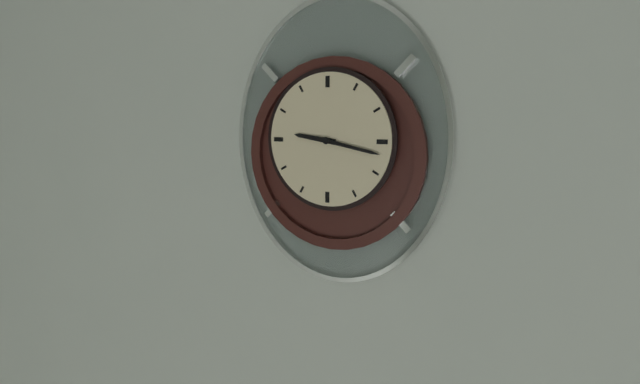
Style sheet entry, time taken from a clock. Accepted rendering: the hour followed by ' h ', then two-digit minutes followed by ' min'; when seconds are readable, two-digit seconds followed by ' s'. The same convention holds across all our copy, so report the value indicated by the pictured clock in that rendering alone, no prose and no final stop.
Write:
9 h 17 min
